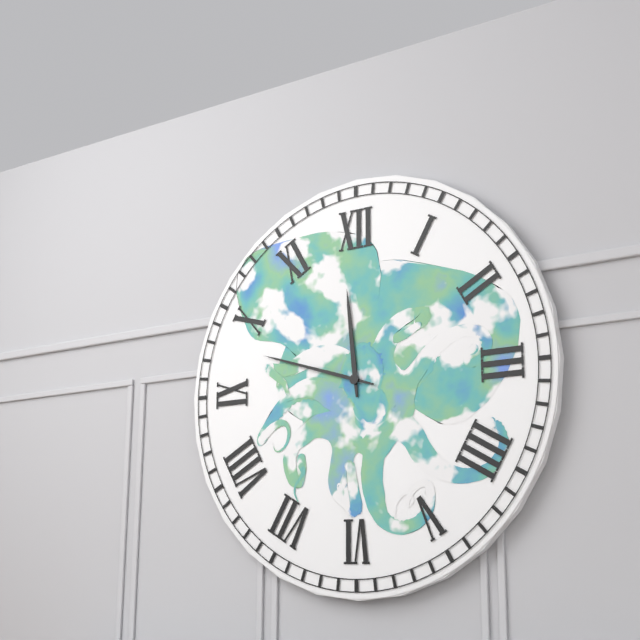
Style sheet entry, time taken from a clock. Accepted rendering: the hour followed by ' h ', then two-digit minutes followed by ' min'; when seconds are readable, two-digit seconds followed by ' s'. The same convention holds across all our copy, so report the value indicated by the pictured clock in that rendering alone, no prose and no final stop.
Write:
11 h 48 min
